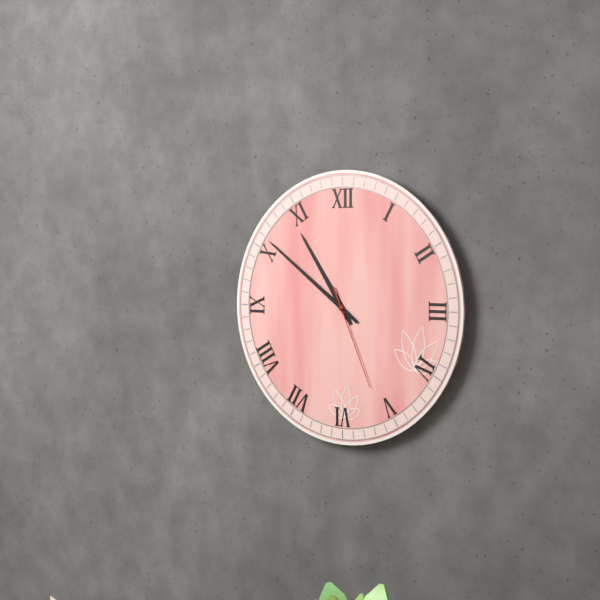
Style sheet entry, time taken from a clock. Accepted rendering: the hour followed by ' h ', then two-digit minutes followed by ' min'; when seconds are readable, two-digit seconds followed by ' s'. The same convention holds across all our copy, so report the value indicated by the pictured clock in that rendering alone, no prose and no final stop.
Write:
10 h 51 min 26 s
